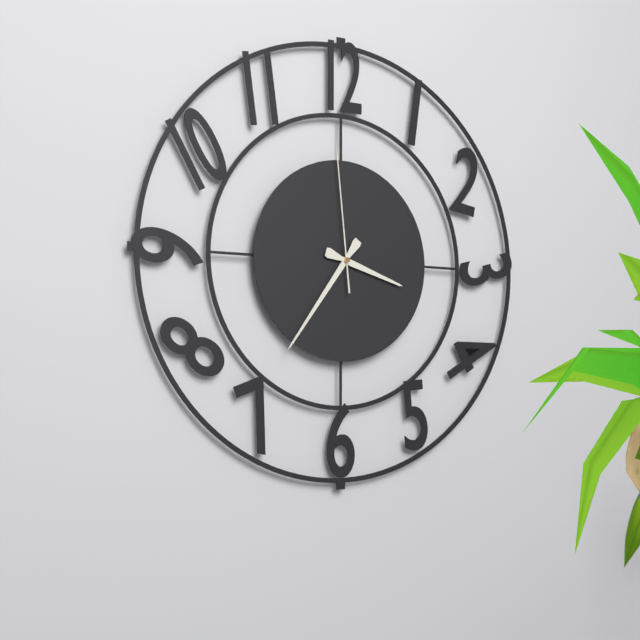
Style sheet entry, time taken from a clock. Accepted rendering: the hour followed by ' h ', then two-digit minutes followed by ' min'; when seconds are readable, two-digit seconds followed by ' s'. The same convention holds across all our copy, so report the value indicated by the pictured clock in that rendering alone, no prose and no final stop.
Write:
3 h 36 min 59 s
